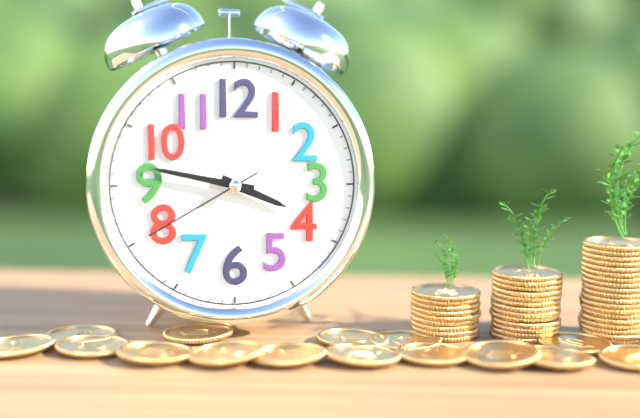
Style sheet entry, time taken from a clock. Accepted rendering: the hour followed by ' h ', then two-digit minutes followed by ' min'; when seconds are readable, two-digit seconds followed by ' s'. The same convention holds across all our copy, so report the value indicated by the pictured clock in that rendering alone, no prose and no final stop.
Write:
3 h 47 min 40 s
